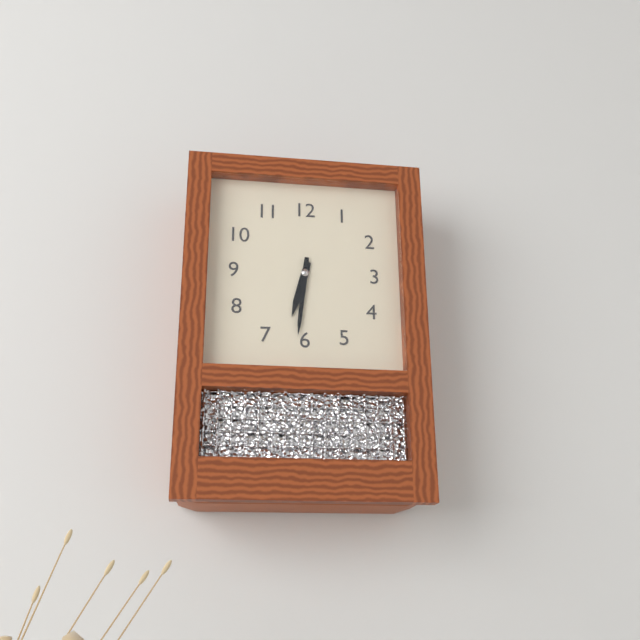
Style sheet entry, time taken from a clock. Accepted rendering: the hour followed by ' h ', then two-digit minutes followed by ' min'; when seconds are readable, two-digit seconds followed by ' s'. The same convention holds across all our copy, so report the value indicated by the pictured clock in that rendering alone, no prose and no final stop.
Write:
6 h 31 min
